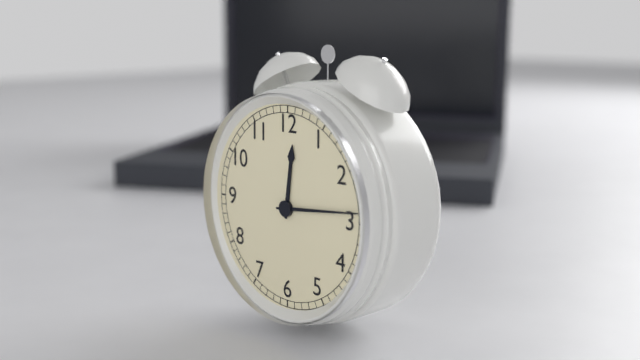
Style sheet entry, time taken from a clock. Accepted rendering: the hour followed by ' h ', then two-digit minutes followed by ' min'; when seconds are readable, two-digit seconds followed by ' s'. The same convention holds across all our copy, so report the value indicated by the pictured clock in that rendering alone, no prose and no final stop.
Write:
12 h 14 min
